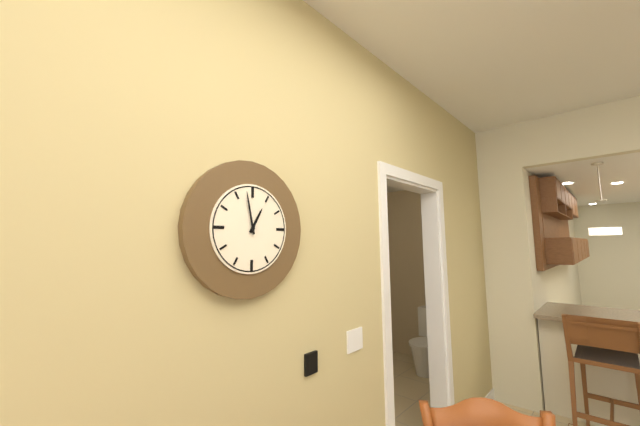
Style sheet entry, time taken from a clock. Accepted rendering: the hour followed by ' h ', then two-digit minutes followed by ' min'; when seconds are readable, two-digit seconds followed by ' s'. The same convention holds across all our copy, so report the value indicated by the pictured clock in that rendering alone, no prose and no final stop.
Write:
12 h 58 min
